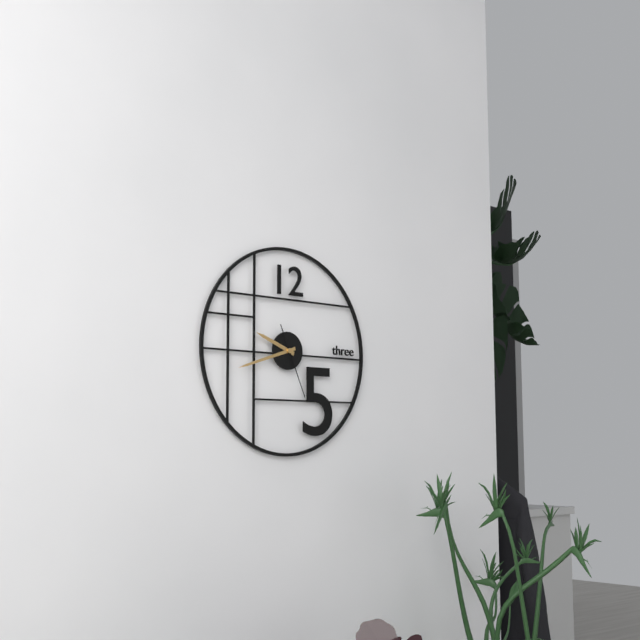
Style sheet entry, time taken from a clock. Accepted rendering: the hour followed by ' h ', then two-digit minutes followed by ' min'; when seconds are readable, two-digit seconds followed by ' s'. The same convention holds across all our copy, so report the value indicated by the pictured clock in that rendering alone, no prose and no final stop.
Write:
9 h 42 min 26 s
